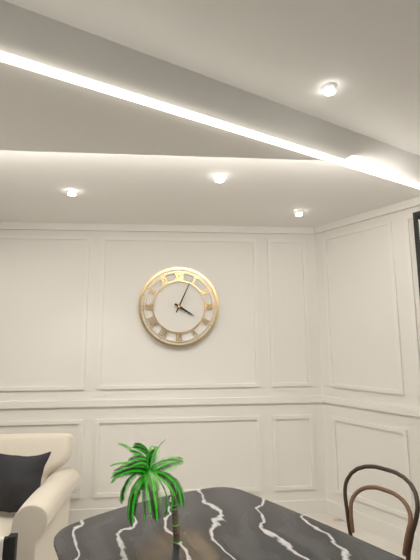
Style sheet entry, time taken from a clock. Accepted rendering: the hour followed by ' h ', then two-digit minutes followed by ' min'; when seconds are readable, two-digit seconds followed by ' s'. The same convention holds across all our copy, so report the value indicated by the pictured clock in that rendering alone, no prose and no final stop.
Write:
4 h 04 min
